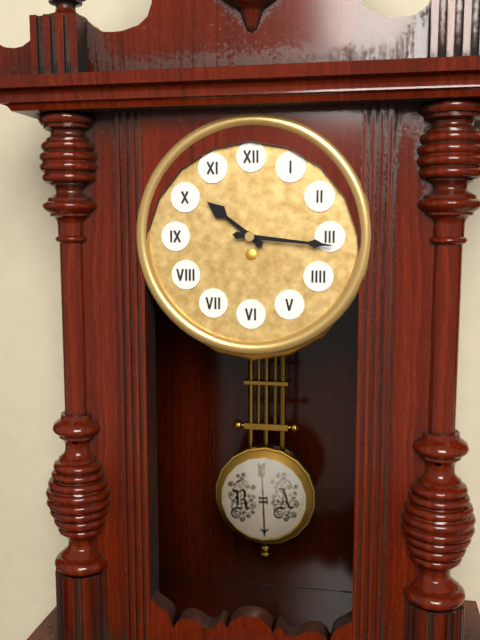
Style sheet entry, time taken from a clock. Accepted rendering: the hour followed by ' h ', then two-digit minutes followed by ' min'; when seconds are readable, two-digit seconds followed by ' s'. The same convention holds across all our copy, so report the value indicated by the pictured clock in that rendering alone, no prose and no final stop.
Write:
10 h 16 min
